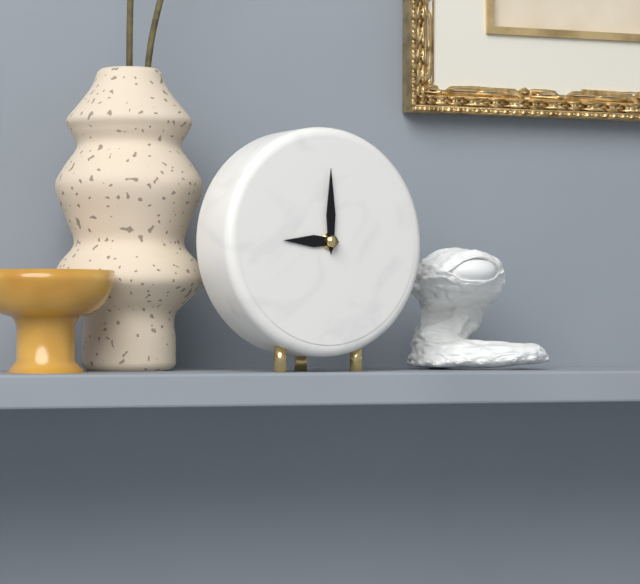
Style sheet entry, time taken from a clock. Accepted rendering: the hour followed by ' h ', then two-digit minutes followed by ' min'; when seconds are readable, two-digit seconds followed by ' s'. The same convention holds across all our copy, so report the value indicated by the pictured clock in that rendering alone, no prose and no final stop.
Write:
9 h 00 min
